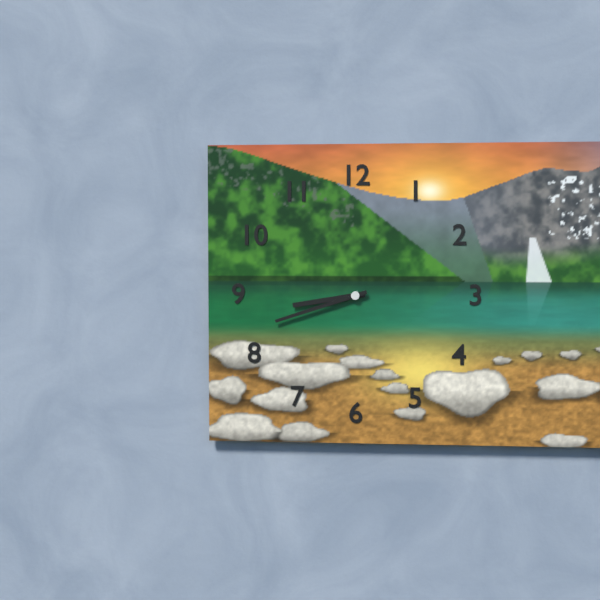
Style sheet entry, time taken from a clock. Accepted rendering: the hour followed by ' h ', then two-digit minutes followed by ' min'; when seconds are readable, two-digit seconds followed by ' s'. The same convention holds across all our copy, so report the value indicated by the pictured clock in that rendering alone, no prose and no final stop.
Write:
8 h 42 min
